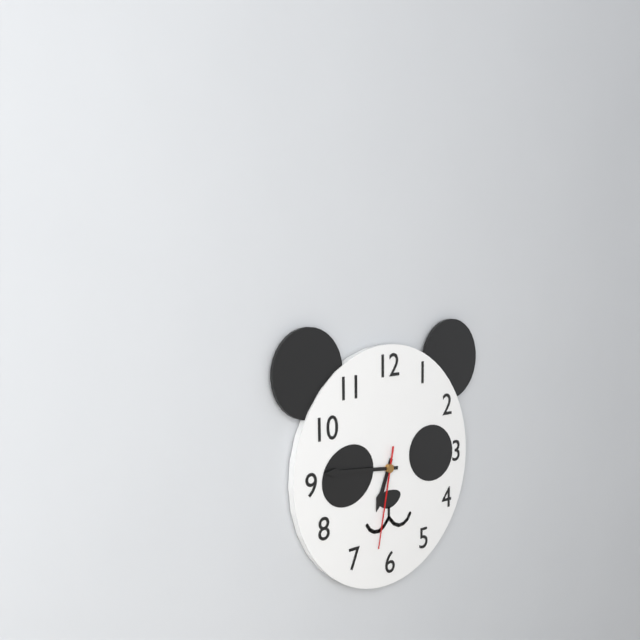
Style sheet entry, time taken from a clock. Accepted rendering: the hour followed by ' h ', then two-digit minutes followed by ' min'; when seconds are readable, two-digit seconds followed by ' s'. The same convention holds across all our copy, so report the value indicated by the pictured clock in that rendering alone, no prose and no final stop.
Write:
6 h 46 min 32 s
